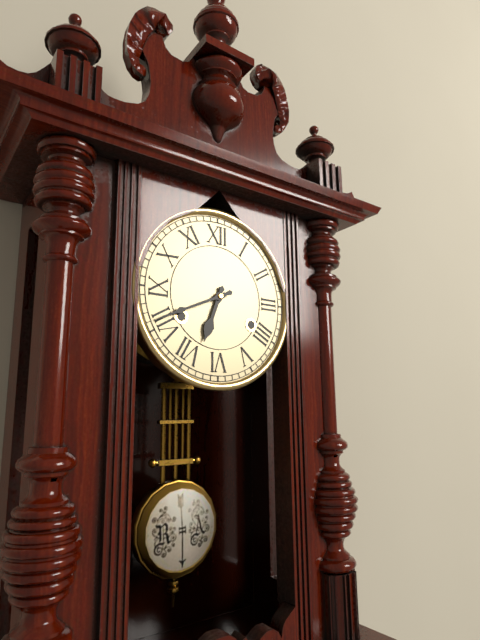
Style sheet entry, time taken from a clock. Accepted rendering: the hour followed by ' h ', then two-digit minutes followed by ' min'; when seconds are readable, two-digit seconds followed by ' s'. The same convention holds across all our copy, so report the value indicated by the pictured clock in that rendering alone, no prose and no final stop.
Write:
6 h 41 min
